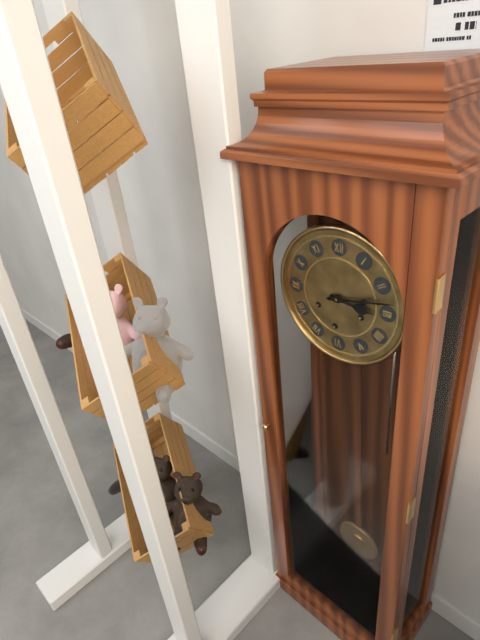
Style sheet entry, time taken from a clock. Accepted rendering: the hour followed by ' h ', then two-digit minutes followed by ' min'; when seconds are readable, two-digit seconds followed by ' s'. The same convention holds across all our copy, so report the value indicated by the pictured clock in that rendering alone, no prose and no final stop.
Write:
3 h 13 min
